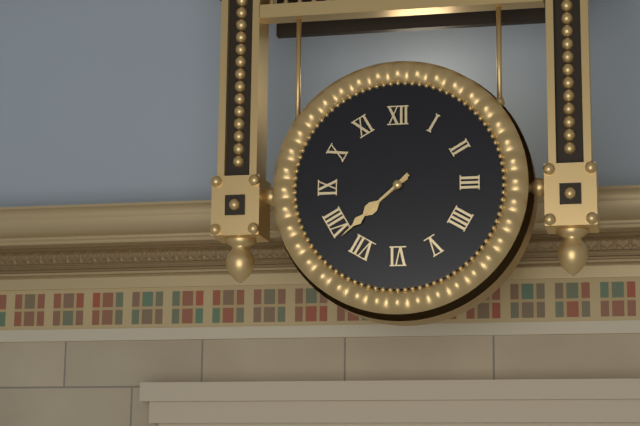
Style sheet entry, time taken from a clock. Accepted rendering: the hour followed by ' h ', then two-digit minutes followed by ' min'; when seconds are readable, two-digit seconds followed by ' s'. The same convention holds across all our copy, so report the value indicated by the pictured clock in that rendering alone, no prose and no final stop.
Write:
7 h 38 min
